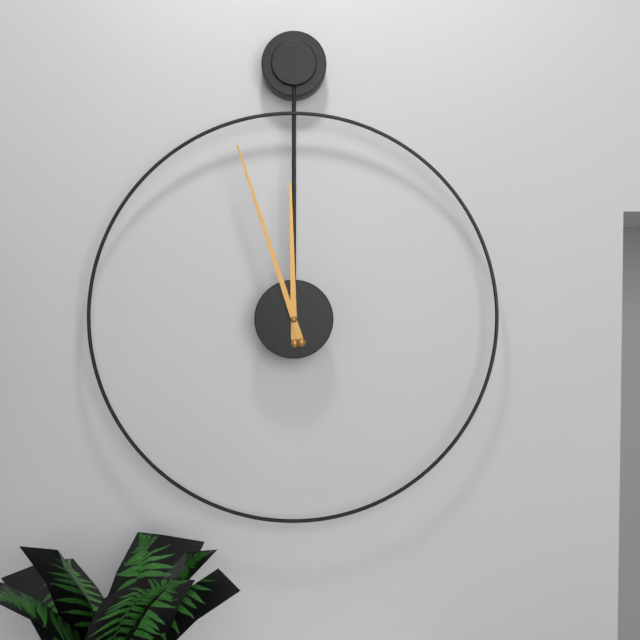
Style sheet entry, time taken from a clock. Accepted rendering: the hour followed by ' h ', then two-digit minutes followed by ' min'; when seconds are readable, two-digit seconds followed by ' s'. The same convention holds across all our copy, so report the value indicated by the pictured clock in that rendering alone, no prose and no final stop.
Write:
11 h 57 min
